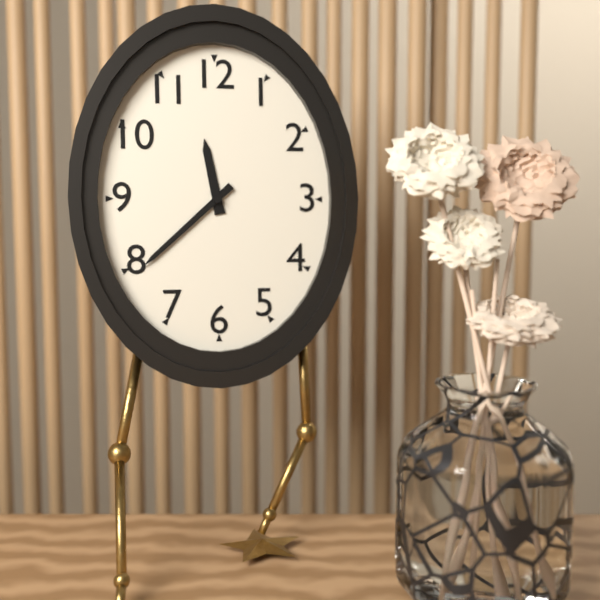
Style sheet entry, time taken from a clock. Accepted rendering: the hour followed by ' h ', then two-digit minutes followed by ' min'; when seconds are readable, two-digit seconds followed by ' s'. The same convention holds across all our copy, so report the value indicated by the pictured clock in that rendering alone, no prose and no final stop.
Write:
11 h 38 min
